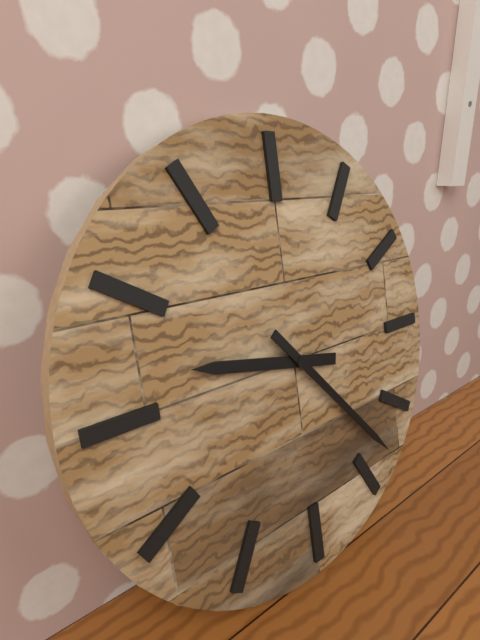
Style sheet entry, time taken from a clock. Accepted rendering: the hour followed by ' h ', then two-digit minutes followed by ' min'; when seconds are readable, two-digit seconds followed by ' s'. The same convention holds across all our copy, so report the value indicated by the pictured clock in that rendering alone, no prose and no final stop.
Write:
9 h 23 min
